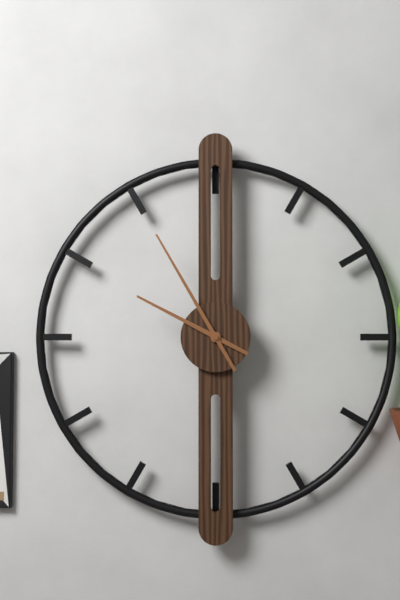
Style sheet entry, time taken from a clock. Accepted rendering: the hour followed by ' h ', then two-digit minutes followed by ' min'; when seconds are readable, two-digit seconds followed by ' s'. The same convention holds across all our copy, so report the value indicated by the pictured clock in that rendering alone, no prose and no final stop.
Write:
9 h 55 min
